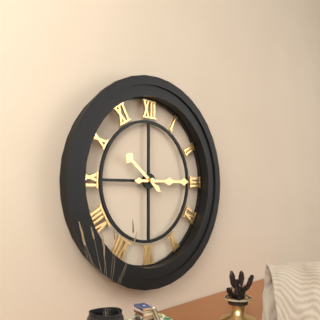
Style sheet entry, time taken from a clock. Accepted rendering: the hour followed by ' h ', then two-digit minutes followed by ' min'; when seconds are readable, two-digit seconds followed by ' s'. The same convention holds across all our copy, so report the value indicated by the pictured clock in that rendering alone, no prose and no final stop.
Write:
10 h 15 min
